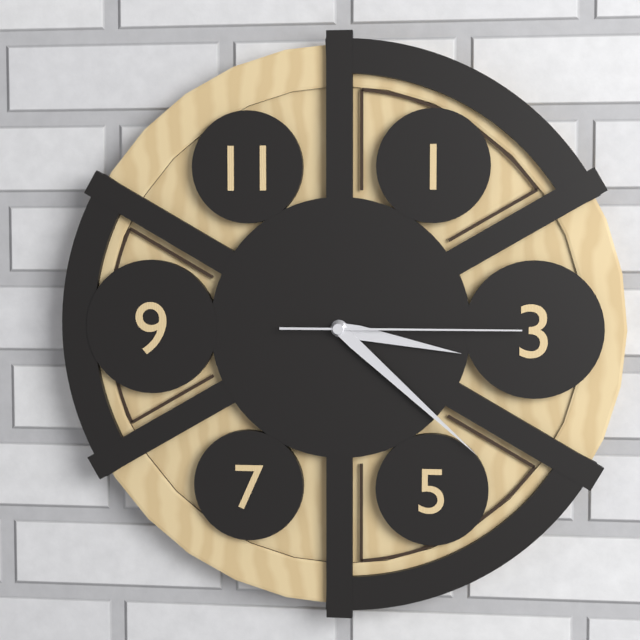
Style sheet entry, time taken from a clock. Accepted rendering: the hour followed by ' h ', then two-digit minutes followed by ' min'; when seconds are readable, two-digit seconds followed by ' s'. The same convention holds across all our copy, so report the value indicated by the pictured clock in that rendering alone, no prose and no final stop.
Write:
3 h 22 min 15 s
